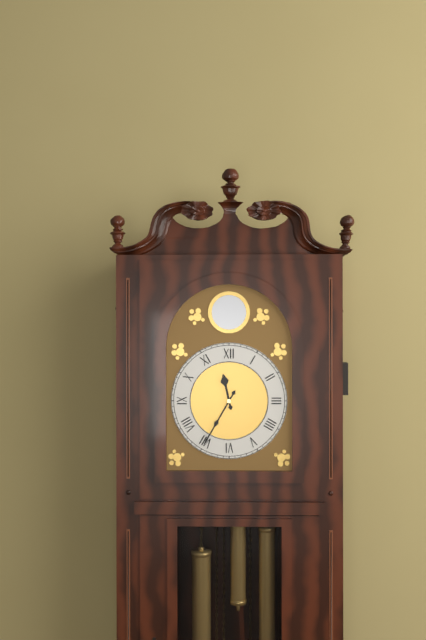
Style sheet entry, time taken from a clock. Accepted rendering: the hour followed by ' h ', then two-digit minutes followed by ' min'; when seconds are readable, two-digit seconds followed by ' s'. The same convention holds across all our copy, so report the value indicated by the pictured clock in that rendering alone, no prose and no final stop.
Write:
11 h 35 min
